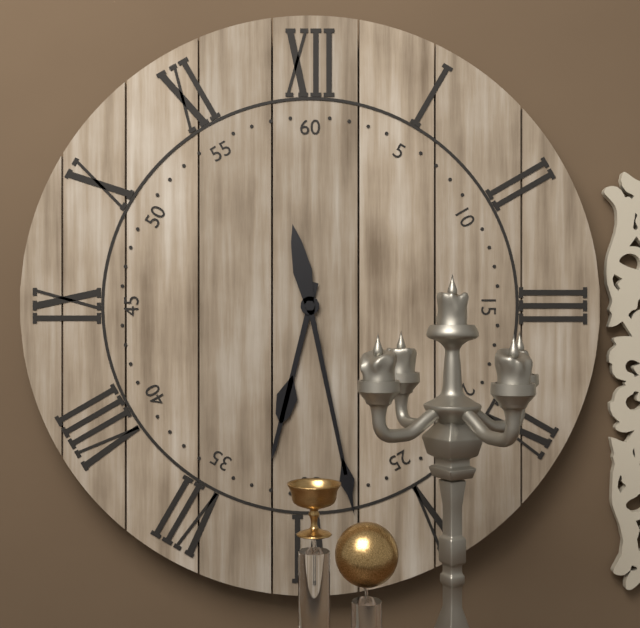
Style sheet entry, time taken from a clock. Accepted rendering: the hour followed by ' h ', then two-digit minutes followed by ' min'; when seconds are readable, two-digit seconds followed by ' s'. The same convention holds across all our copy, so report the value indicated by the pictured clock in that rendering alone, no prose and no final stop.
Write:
6 h 28 min
